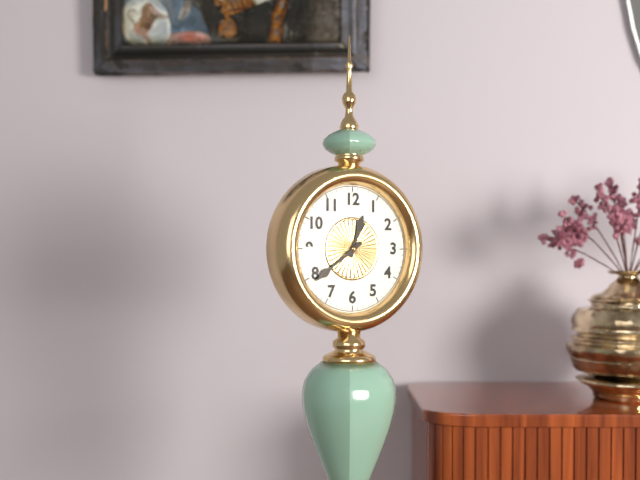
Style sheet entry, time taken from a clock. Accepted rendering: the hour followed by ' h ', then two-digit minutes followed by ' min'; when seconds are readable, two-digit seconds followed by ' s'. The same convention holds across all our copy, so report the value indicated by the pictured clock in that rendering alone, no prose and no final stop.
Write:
12 h 39 min
